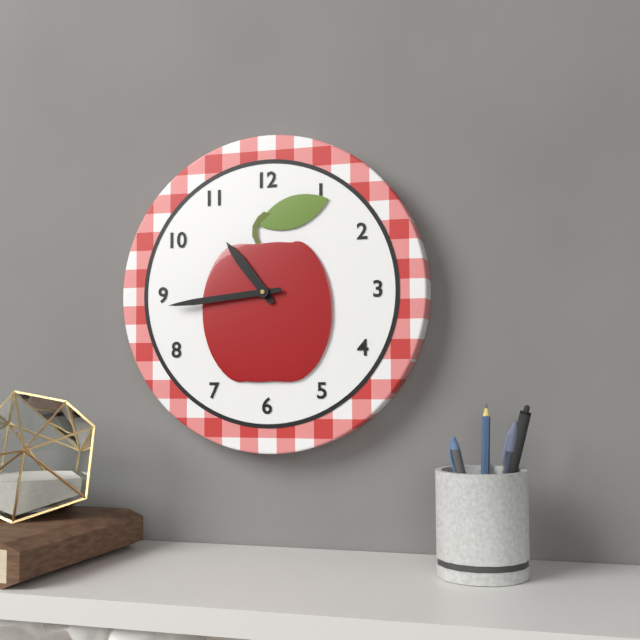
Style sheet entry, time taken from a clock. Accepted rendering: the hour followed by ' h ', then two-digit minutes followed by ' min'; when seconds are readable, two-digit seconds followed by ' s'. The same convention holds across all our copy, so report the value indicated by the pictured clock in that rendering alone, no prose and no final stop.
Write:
10 h 44 min
